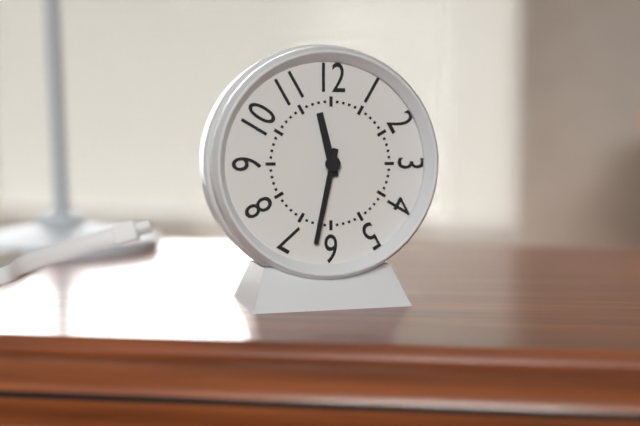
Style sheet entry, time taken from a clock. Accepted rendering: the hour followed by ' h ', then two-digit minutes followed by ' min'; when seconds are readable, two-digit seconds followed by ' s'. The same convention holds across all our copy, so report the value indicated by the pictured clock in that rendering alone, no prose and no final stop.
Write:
11 h 32 min
